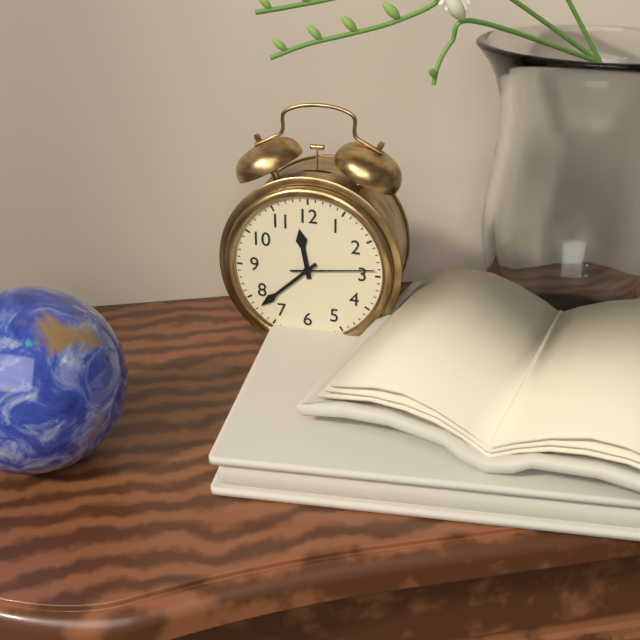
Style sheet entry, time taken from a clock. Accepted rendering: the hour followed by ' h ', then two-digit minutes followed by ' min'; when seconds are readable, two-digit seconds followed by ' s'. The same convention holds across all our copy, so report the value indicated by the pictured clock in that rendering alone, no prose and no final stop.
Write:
11 h 38 min 14 s
